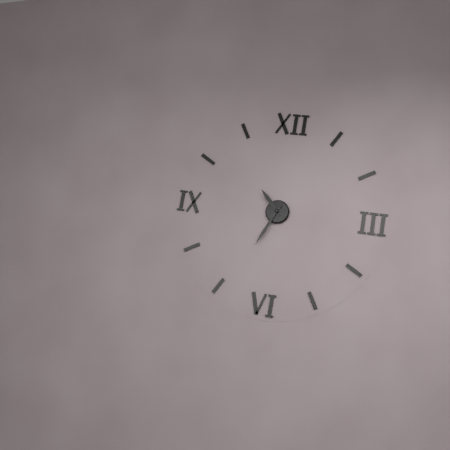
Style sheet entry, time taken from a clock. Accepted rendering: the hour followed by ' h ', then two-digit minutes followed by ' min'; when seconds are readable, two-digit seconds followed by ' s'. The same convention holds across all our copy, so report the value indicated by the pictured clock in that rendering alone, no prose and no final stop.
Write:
10 h 34 min
